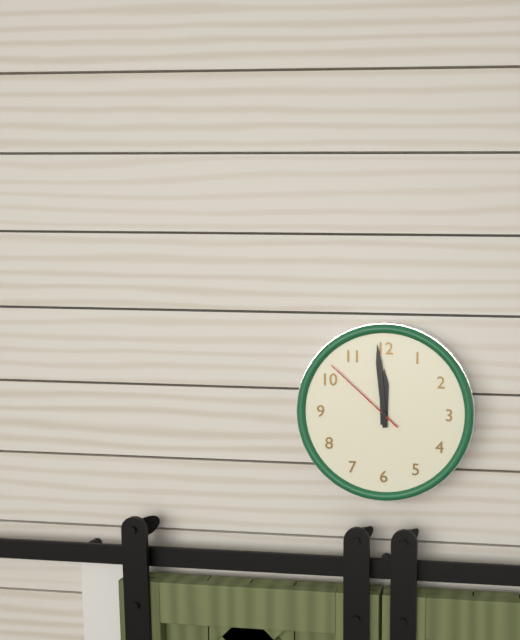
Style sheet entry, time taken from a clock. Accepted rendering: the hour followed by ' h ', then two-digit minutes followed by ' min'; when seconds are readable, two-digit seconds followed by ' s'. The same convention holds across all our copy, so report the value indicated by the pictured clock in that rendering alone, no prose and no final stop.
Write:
11 h 59 min 52 s
